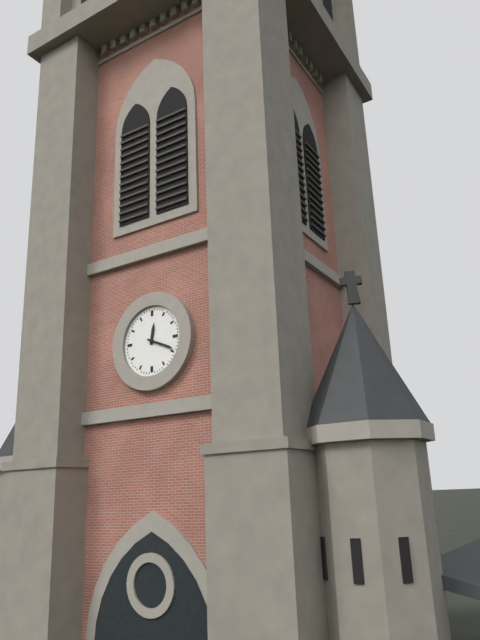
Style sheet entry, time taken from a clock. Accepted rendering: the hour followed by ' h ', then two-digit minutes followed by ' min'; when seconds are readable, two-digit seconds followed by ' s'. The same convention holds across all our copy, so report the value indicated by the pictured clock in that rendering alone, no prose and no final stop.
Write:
12 h 19 min
